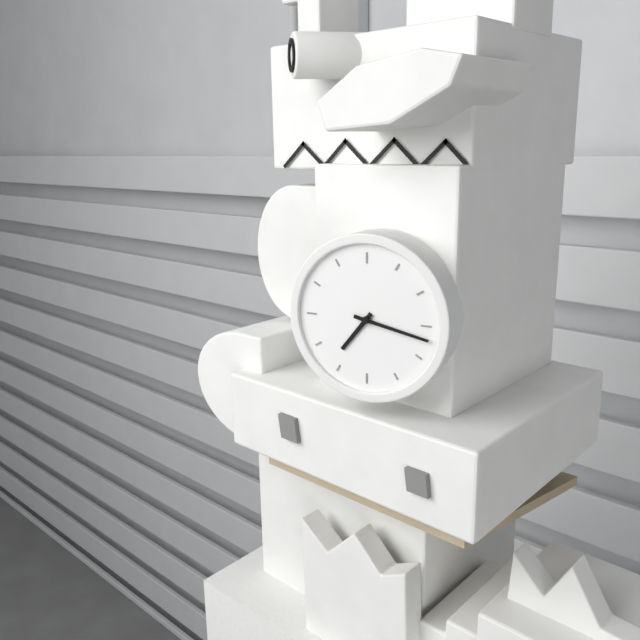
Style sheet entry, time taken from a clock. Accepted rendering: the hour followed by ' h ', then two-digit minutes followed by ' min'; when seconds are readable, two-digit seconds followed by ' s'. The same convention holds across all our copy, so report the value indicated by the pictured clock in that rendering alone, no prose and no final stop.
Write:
7 h 17 min
